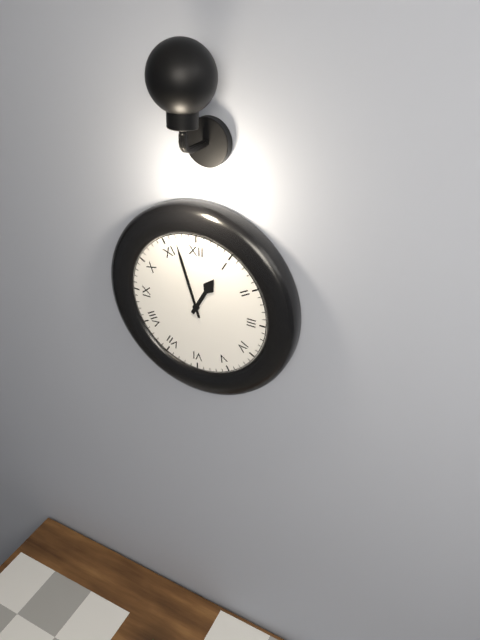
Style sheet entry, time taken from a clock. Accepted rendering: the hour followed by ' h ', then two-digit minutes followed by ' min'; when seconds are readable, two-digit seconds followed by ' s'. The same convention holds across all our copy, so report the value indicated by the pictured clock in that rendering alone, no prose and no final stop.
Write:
12 h 57 min
